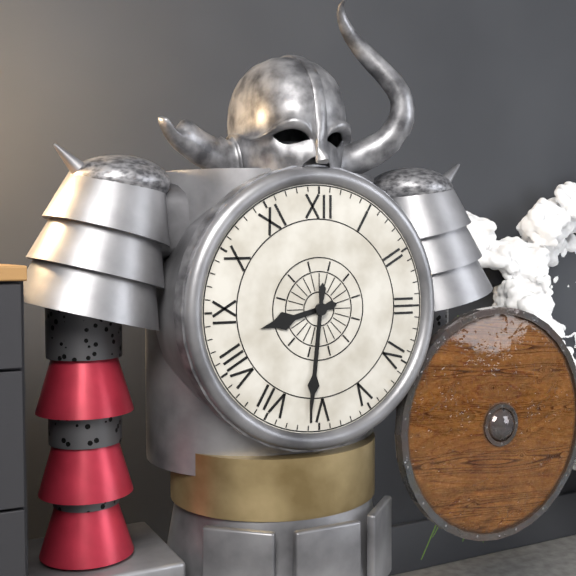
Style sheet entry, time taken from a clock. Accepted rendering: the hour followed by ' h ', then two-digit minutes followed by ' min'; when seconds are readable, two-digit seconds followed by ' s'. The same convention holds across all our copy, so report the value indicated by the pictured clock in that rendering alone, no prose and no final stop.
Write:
8 h 31 min
